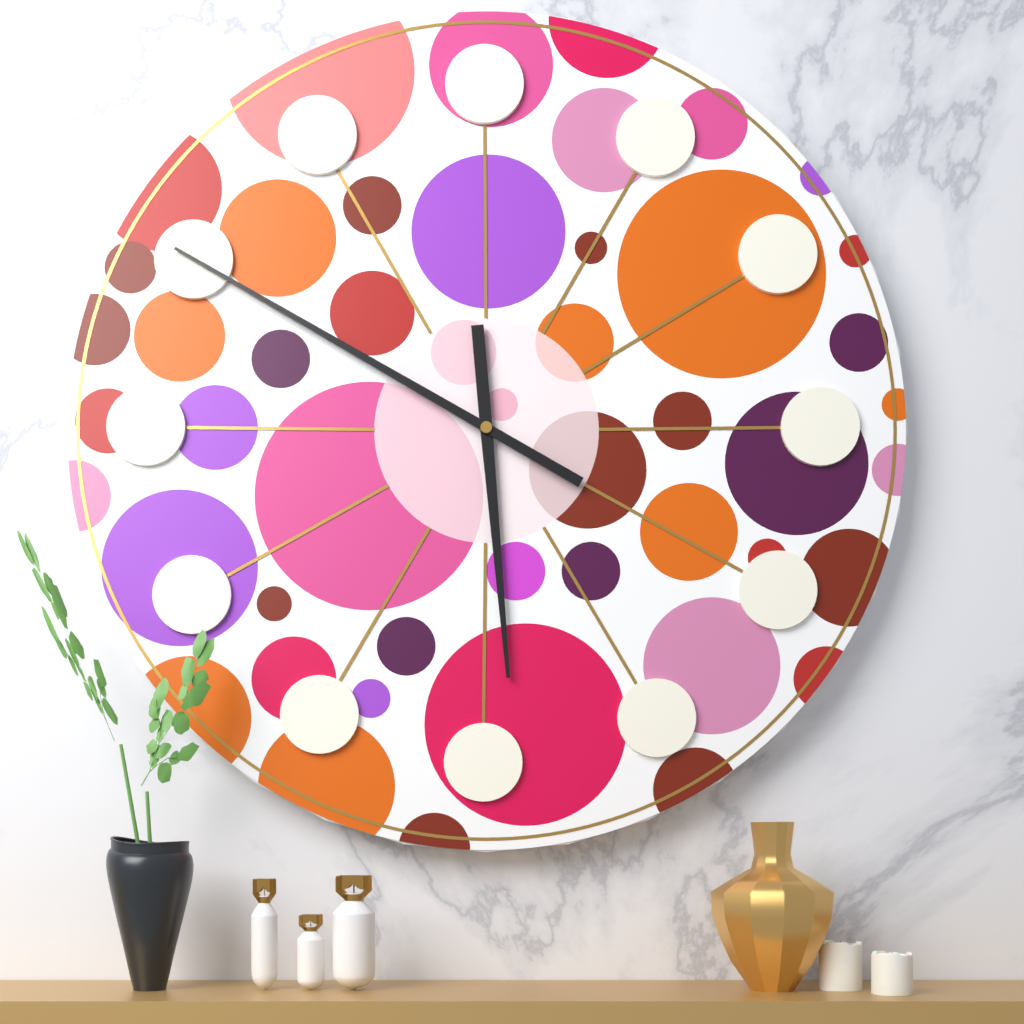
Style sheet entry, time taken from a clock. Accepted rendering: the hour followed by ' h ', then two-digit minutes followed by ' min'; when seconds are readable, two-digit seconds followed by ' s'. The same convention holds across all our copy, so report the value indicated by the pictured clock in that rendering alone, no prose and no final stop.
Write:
5 h 50 min
